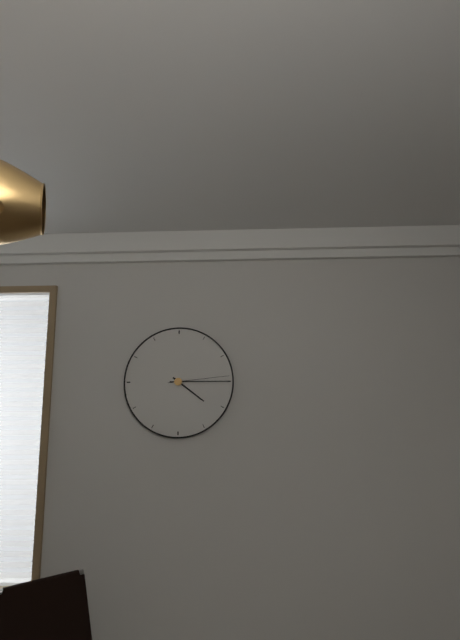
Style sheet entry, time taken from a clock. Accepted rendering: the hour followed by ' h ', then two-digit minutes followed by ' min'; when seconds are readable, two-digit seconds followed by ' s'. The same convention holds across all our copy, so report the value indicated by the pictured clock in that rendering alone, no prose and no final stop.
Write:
4 h 15 min 14 s
